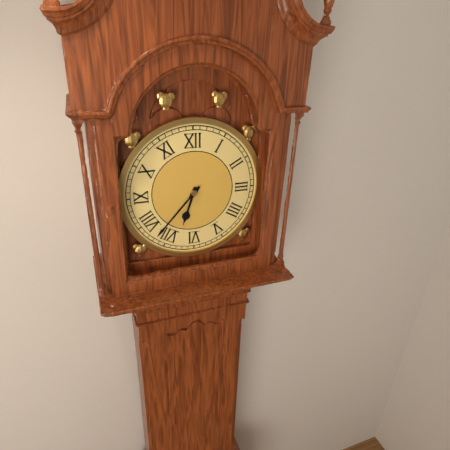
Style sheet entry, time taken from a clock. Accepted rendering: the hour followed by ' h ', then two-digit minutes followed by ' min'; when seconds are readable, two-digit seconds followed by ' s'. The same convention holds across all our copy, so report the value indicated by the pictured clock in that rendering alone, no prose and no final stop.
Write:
6 h 37 min
